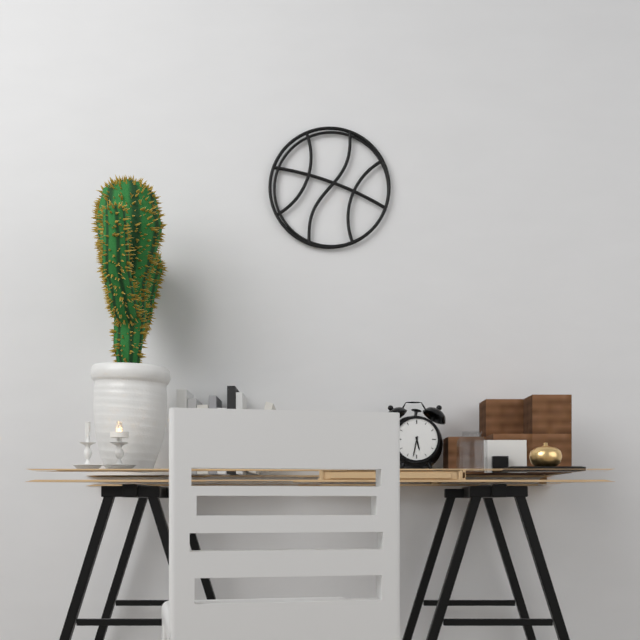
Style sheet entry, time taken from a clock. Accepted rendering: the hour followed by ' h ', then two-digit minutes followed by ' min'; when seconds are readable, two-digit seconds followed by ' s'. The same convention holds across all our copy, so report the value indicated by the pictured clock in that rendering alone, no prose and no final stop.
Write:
5 h 32 min
